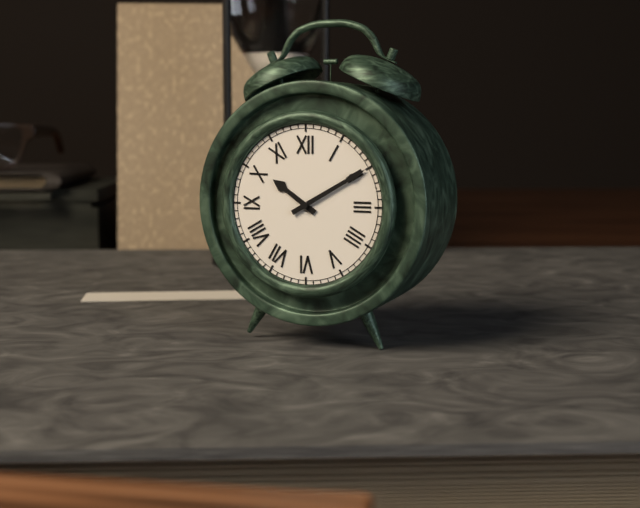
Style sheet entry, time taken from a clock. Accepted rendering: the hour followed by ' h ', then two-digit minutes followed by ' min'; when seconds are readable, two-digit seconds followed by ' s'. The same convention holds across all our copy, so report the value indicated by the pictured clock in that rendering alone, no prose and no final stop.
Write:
10 h 10 min
